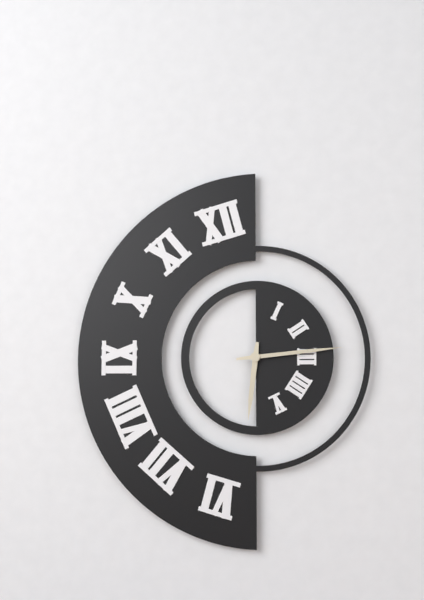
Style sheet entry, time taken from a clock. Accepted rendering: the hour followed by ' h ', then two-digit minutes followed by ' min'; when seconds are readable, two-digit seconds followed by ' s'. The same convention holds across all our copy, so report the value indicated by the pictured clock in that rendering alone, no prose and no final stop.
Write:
6 h 14 min
